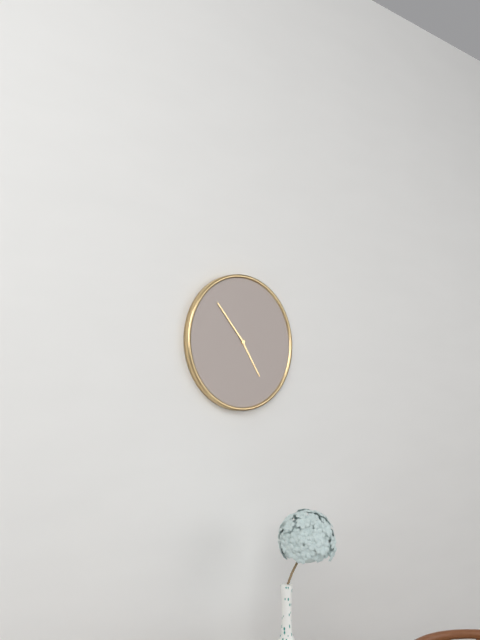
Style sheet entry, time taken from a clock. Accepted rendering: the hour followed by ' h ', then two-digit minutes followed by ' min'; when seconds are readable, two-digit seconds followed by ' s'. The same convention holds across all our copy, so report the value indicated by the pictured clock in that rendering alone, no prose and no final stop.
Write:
4 h 53 min
